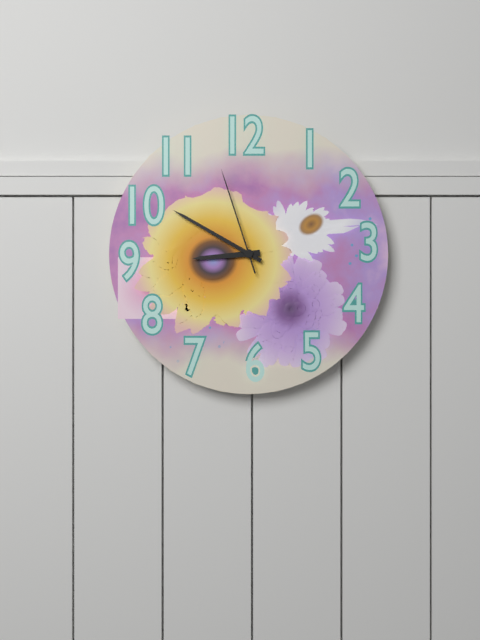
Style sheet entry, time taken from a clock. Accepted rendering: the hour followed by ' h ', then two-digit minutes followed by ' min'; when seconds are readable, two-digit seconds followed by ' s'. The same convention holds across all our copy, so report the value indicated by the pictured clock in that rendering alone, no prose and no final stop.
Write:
8 h 50 min 57 s
